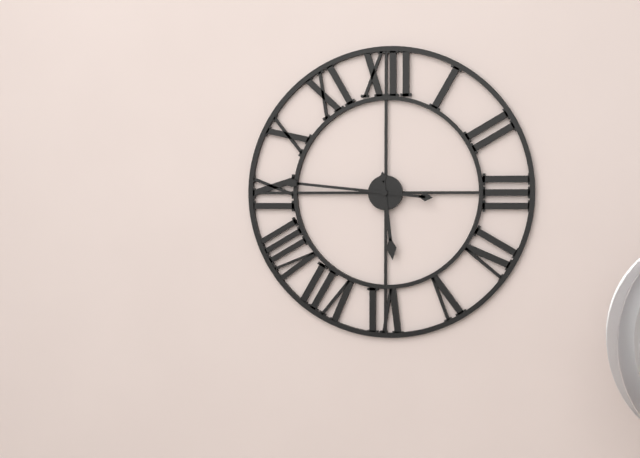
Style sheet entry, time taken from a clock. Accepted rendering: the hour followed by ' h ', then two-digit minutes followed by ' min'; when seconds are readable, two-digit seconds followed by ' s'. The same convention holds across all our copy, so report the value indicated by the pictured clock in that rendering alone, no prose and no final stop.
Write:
5 h 46 min
